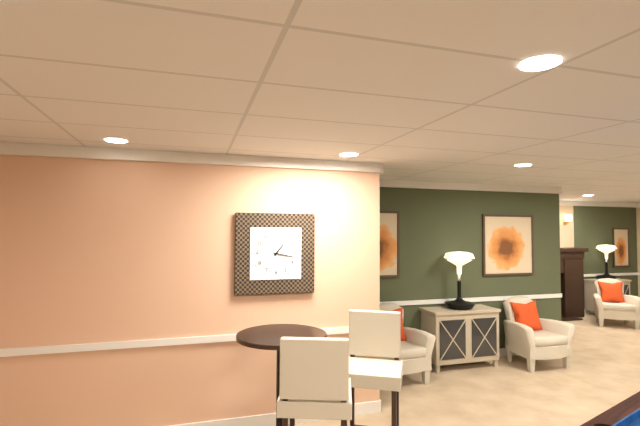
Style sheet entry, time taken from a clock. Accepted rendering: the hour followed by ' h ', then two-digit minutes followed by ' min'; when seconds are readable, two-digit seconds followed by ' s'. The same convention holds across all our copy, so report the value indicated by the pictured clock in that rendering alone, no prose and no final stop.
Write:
1 h 17 min
